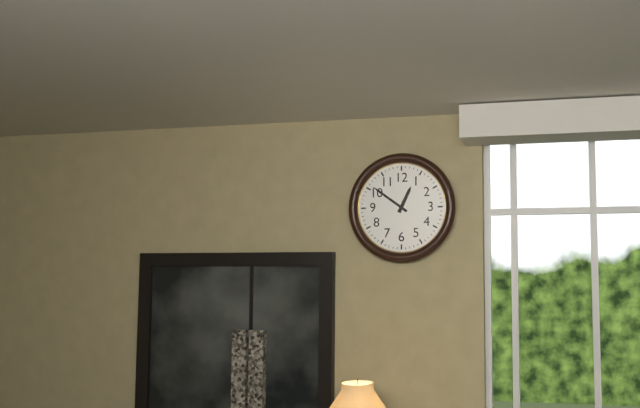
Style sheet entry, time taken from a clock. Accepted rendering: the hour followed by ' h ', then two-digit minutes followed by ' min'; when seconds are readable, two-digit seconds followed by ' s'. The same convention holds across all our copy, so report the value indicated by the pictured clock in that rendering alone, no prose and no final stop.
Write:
12 h 51 min
